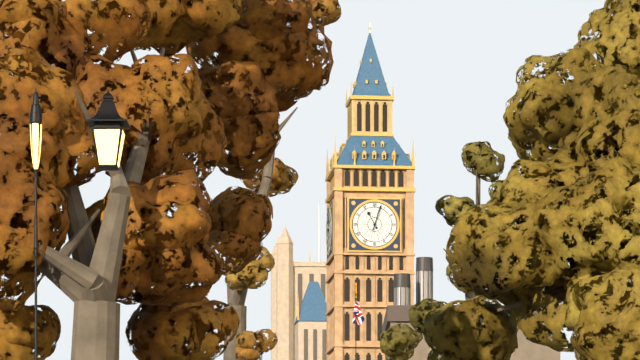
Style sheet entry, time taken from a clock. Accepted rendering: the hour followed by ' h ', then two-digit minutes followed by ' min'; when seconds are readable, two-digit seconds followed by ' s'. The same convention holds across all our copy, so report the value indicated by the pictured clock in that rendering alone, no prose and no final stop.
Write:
11 h 03 min
